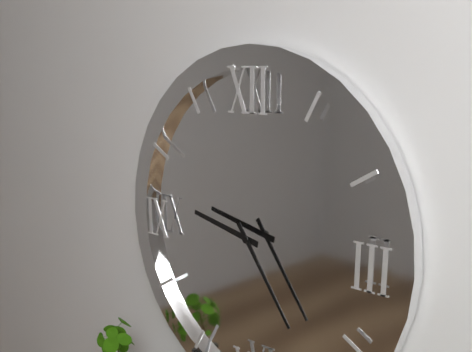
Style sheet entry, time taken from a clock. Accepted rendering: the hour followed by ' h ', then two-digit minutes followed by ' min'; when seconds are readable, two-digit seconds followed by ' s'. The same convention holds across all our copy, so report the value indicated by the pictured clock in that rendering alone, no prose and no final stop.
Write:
9 h 24 min
